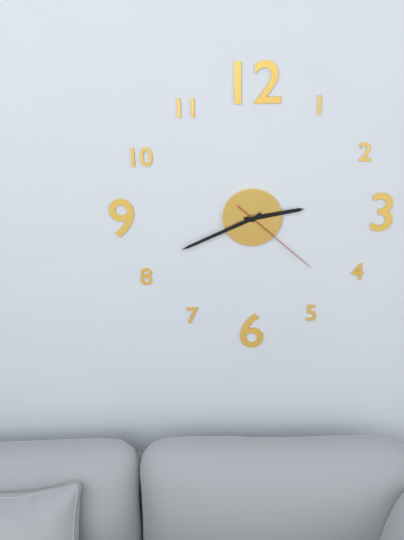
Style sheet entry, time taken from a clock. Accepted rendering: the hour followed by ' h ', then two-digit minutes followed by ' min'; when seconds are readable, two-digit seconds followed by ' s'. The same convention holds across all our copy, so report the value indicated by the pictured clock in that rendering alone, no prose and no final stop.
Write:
2 h 41 min 22 s
